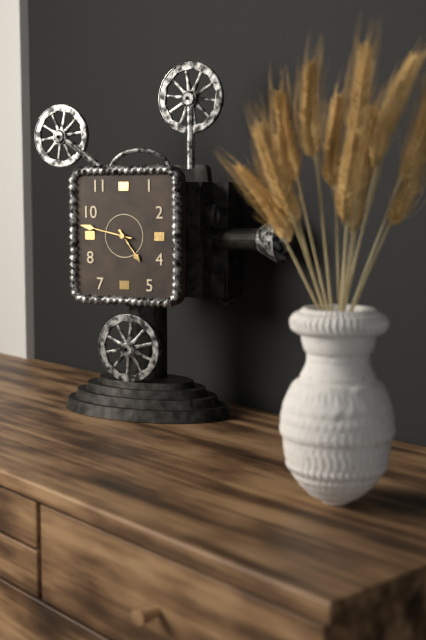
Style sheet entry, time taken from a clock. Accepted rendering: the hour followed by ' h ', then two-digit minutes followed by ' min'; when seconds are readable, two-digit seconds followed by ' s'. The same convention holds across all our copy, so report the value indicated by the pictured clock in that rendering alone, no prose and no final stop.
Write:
4 h 47 min
